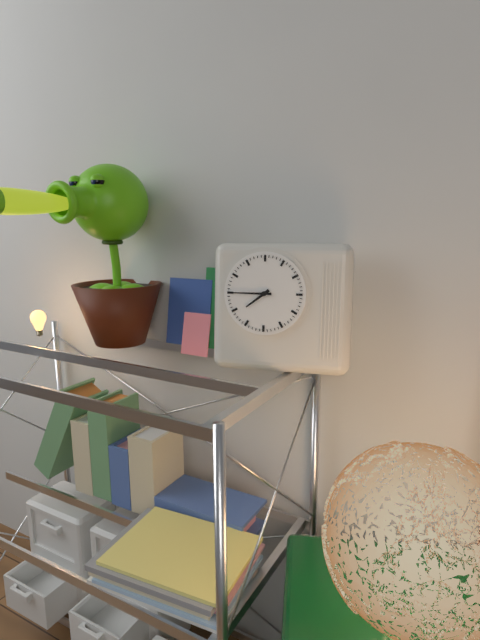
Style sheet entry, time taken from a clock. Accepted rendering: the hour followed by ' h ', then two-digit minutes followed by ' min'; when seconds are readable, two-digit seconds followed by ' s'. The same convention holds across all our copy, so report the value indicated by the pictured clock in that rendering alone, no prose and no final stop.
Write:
7 h 45 min
